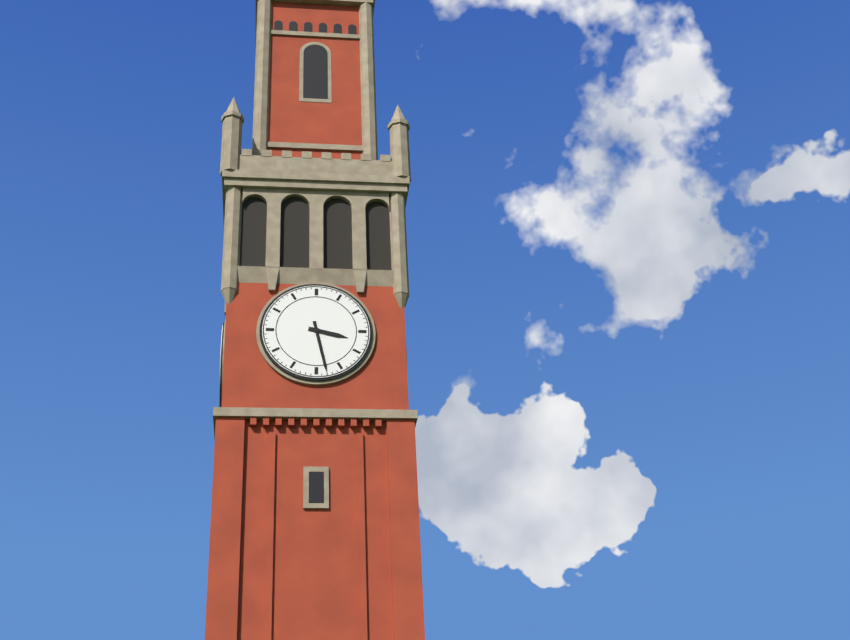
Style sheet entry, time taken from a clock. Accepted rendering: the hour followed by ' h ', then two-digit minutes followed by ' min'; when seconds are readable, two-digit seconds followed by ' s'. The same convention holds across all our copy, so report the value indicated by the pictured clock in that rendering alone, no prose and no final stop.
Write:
3 h 28 min
